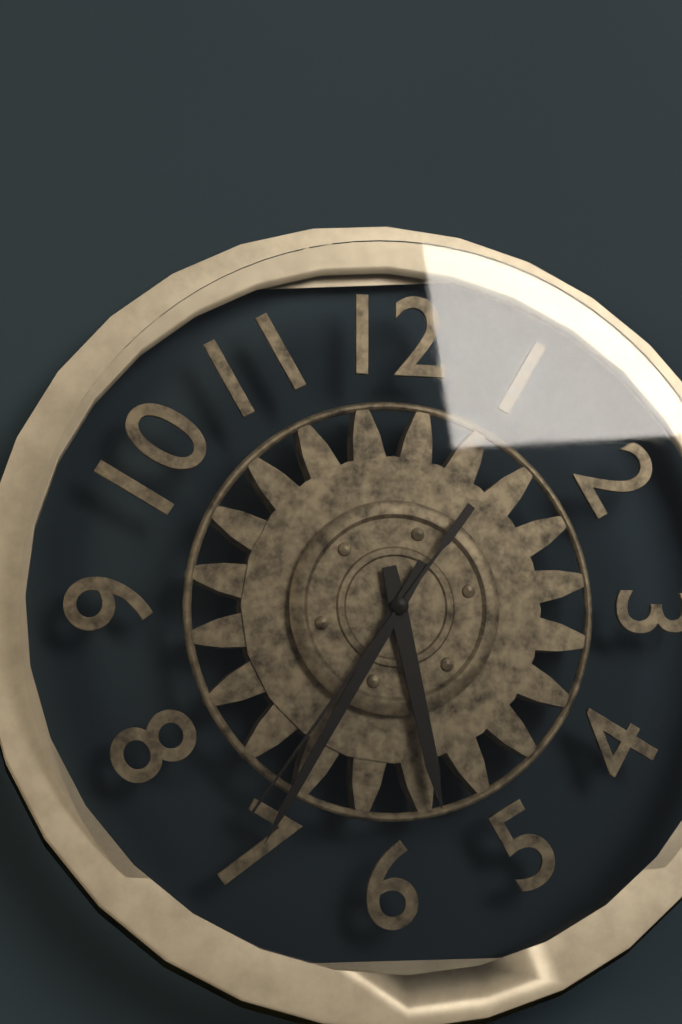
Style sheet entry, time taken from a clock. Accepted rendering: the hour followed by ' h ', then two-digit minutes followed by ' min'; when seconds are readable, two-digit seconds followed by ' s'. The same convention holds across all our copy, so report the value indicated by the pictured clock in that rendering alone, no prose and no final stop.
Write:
5 h 35 min 36 s
